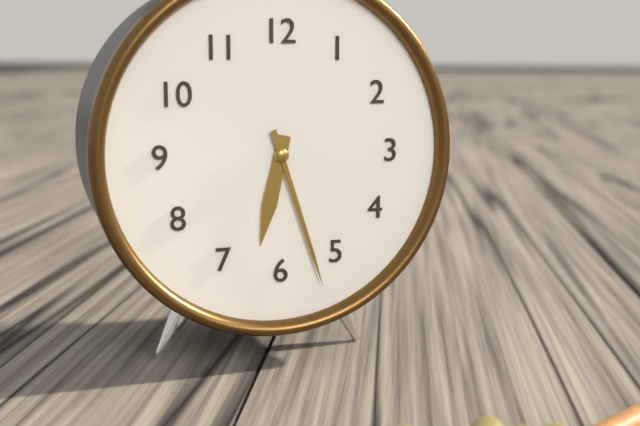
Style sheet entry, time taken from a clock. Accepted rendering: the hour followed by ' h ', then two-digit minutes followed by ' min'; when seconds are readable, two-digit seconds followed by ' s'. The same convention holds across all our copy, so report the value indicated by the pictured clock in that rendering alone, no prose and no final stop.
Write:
6 h 27 min
